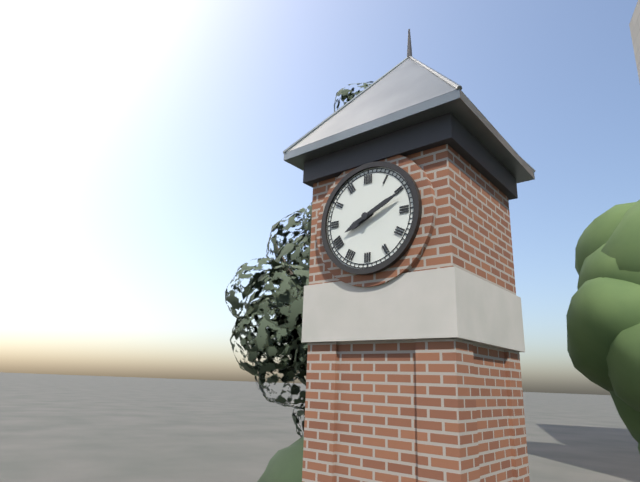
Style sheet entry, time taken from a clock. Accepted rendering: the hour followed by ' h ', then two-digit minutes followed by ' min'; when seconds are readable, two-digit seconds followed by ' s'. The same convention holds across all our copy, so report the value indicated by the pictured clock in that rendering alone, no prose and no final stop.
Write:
8 h 11 min
